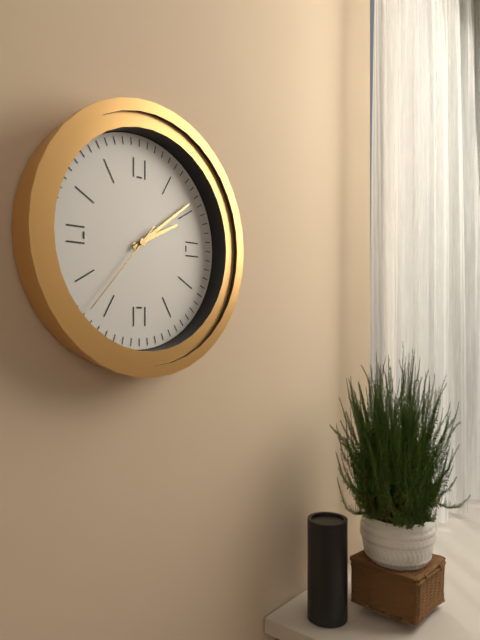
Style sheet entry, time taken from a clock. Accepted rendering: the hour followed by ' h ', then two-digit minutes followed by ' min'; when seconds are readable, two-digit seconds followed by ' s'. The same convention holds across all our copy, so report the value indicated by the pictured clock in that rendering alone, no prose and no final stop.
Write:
2 h 09 min 37 s
